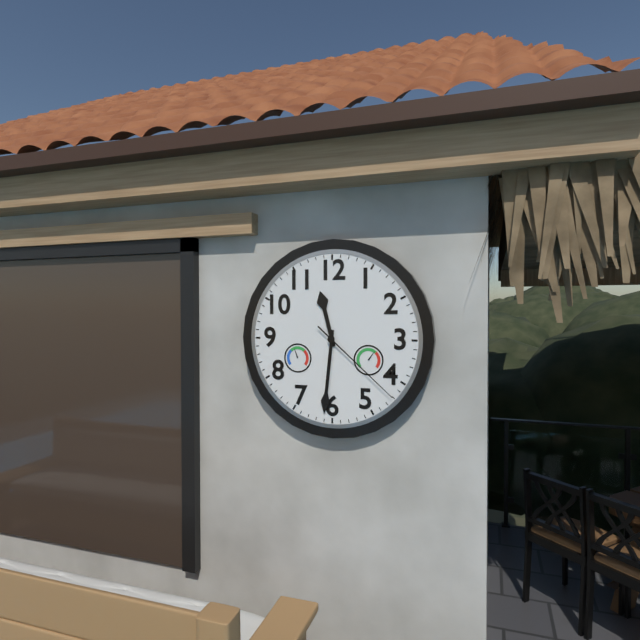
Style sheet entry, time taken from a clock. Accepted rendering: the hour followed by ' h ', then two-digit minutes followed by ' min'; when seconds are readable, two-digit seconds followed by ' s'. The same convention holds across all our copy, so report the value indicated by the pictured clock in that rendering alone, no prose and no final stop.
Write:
11 h 31 min 22 s
